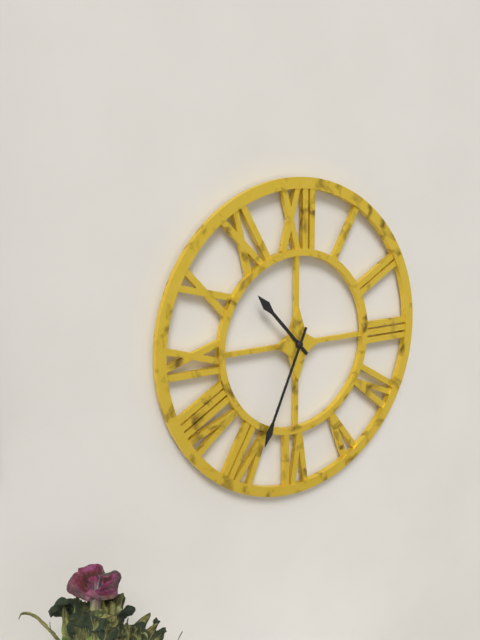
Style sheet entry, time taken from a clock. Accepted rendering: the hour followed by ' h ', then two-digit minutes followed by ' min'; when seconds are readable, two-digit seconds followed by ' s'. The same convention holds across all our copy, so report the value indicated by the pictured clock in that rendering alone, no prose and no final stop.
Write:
10 h 34 min
